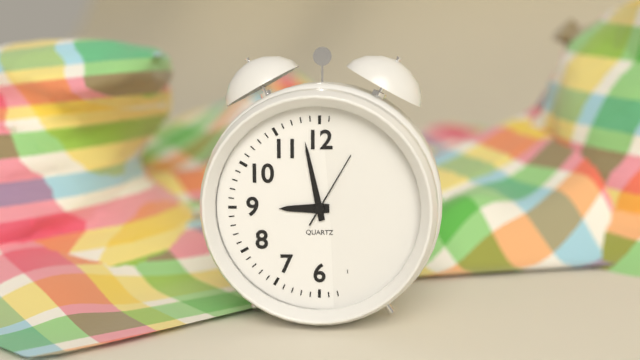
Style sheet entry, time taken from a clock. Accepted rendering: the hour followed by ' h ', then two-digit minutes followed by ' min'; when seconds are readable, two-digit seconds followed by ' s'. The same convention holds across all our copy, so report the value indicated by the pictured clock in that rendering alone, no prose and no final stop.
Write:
8 h 58 min 05 s
